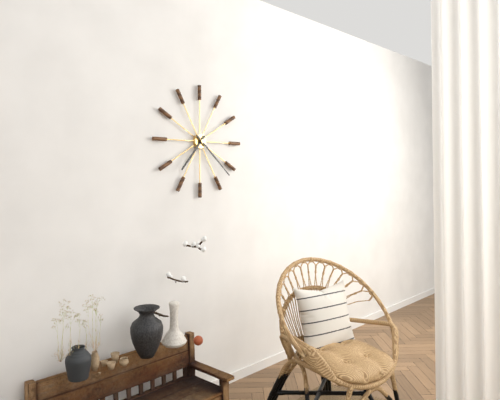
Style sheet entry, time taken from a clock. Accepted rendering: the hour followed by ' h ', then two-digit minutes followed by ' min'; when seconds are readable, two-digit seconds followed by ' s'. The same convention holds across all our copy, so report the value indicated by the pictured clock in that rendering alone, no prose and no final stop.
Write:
7 h 22 min
